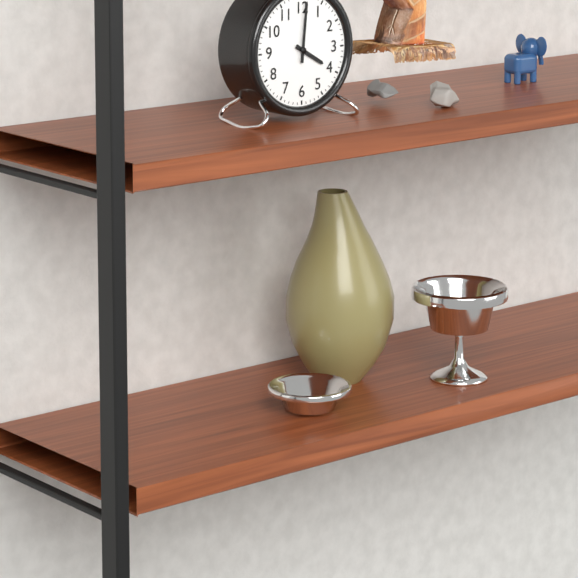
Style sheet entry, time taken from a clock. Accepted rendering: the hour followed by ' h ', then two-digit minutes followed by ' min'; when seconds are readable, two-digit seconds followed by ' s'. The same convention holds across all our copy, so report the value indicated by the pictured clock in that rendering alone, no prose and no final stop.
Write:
4 h 01 min
